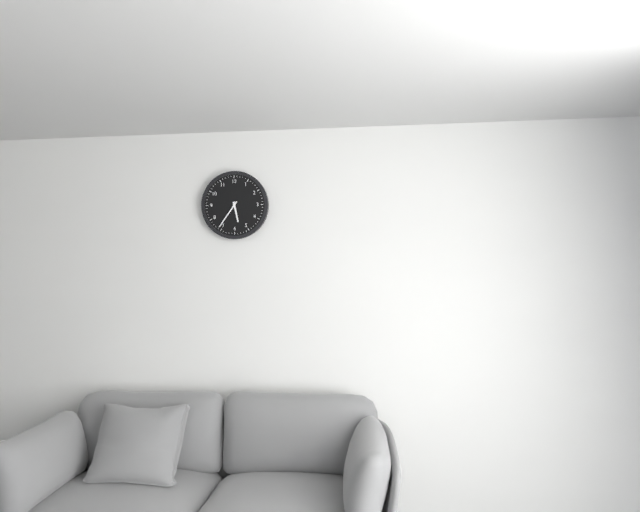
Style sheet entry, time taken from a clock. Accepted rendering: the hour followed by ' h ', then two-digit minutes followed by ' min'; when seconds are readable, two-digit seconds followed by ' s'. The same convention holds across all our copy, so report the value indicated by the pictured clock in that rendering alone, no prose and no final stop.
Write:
5 h 36 min
